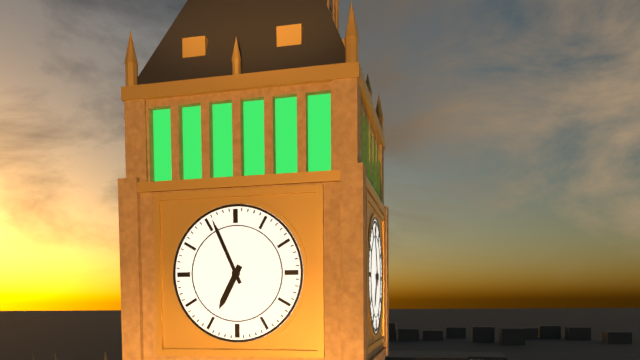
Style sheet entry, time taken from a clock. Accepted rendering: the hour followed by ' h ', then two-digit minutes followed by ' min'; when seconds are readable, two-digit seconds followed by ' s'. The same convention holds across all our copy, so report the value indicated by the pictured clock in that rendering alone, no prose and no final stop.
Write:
6 h 56 min
